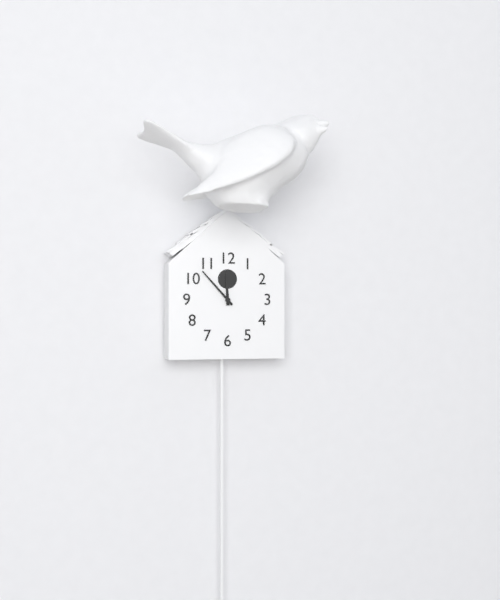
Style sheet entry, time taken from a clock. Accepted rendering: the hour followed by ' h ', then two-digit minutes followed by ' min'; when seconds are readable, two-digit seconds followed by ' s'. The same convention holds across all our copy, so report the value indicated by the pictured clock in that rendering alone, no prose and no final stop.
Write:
11 h 53 min
